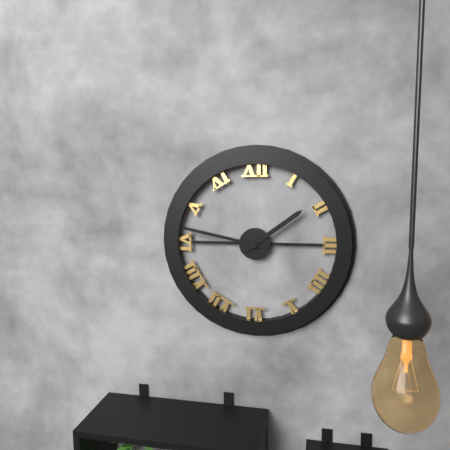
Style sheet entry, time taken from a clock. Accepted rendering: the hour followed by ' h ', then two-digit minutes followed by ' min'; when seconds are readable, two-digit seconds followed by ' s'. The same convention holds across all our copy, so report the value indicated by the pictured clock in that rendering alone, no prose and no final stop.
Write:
1 h 47 min
